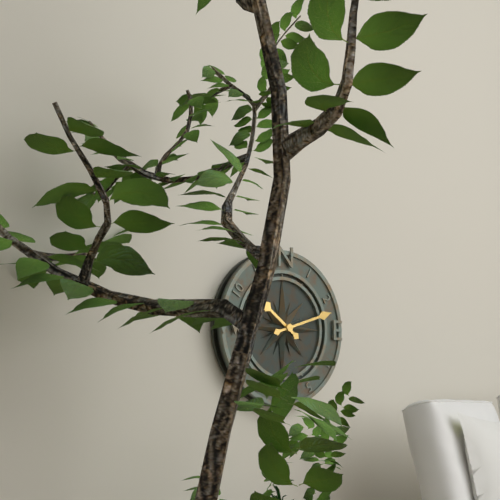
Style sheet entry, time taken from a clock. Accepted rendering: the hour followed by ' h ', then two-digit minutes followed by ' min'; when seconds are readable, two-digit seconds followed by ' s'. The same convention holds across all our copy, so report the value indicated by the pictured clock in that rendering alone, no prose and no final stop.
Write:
10 h 12 min
